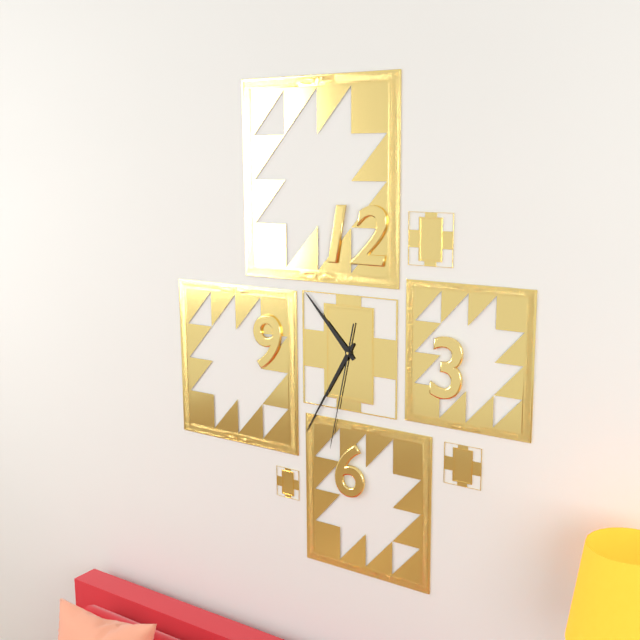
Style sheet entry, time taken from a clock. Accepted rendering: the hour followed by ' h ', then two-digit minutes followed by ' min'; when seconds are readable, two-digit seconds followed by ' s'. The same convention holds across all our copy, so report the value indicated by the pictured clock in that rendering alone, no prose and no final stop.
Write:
10 h 35 min 32 s
